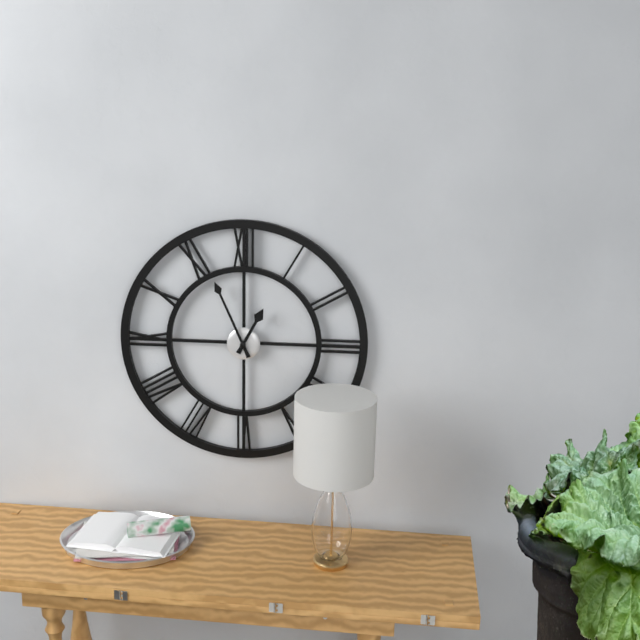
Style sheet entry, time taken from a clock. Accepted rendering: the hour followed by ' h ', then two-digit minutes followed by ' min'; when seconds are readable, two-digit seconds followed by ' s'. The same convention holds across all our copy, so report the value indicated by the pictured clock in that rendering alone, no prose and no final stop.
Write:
12 h 56 min
